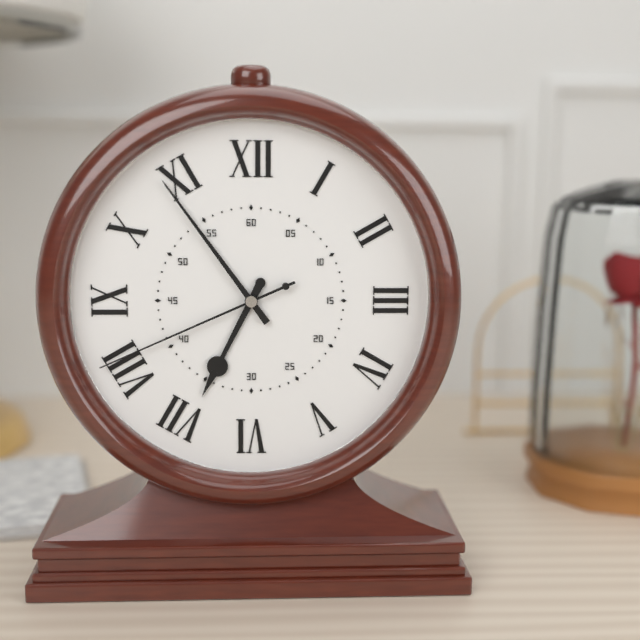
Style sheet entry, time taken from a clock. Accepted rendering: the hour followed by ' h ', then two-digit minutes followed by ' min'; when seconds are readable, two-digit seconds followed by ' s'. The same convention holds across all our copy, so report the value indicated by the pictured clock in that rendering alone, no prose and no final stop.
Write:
6 h 54 min 41 s
